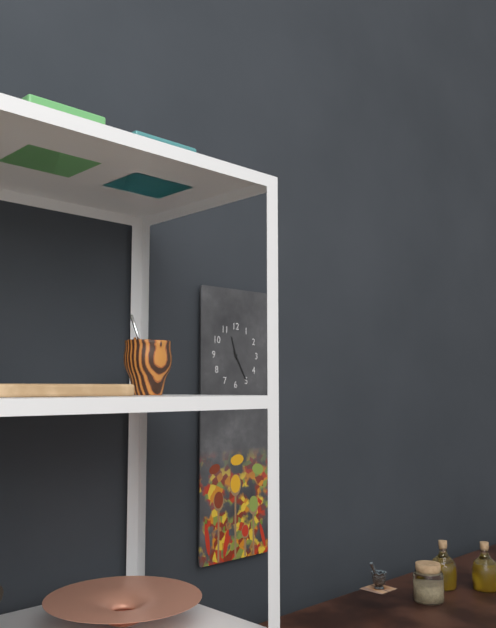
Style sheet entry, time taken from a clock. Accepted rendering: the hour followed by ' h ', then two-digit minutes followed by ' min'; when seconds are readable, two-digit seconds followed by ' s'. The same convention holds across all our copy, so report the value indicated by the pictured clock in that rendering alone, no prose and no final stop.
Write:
11 h 25 min
